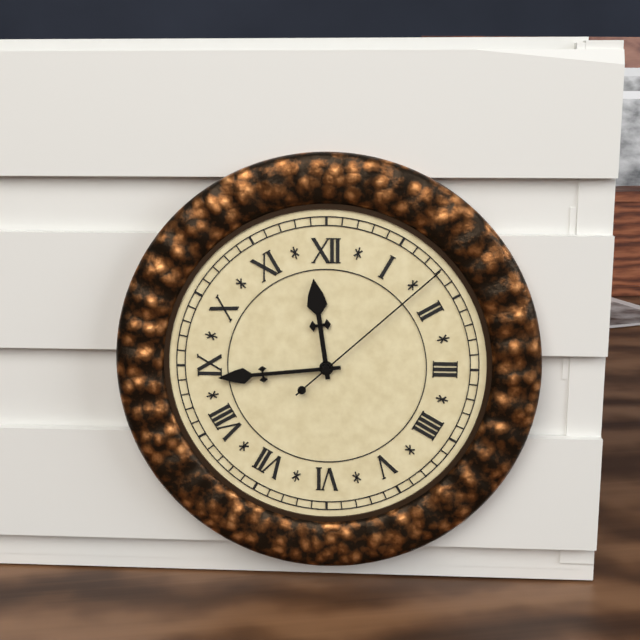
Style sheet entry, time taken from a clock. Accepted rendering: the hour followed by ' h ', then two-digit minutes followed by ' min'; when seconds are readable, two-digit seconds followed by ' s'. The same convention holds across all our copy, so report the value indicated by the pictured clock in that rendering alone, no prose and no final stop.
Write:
11 h 44 min 08 s
